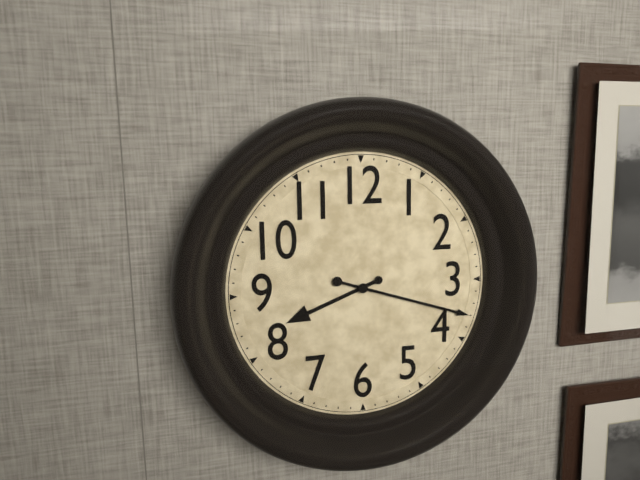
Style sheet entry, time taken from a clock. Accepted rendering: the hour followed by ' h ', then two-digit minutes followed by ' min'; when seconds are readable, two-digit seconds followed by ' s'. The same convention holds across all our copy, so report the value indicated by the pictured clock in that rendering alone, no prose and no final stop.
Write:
8 h 18 min
